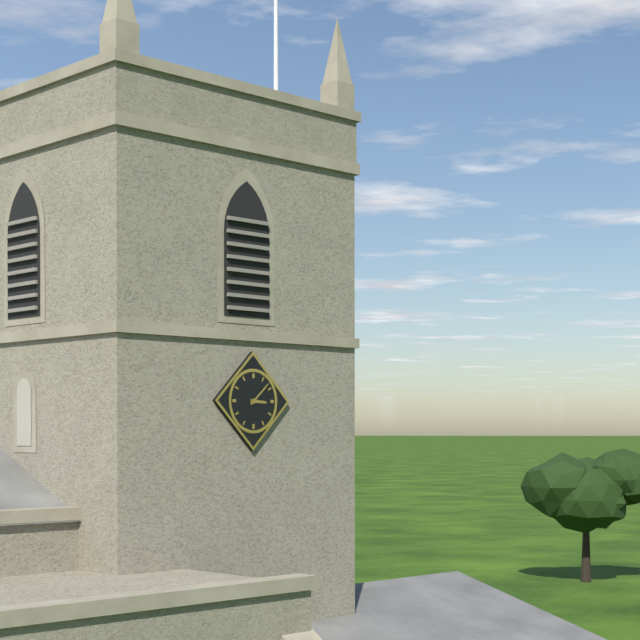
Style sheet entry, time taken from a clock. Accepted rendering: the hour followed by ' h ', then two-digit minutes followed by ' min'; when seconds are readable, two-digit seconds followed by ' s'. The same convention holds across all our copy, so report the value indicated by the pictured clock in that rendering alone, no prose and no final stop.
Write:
3 h 08 min
